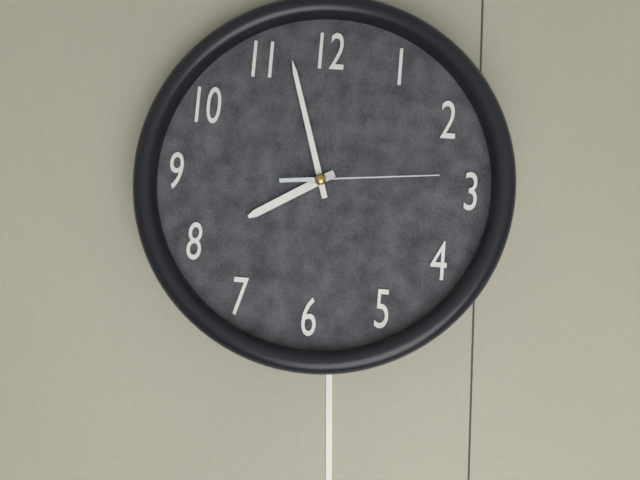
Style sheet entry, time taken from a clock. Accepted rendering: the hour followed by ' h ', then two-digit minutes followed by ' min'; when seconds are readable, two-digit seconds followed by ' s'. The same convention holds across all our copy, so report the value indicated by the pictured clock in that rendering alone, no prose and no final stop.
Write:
7 h 57 min 14 s
